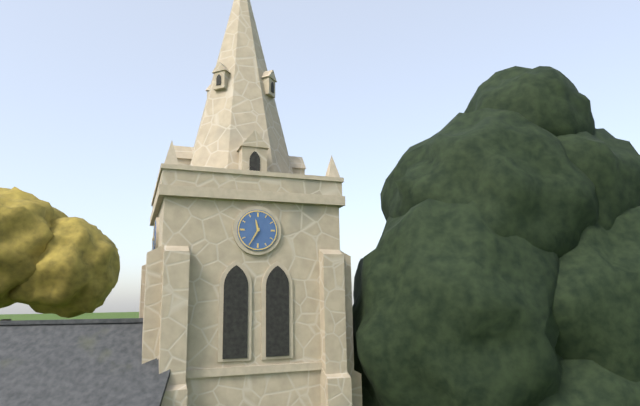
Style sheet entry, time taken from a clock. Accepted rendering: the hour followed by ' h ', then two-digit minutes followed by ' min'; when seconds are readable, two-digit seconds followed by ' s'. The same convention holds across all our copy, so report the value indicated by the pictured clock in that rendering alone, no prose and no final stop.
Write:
11 h 35 min
